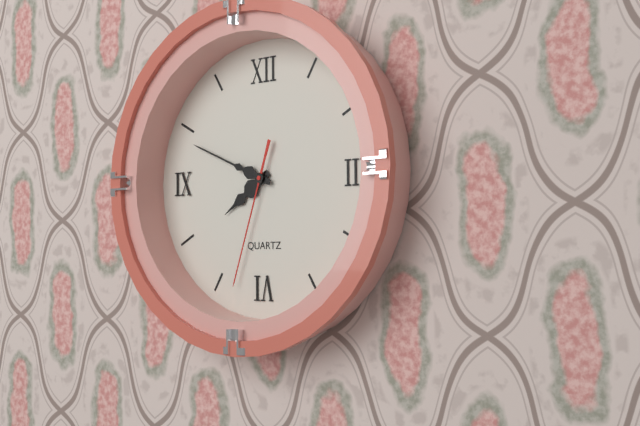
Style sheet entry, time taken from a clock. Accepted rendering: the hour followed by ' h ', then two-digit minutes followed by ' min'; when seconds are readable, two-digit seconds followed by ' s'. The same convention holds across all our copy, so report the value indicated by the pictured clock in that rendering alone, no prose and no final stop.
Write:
7 h 49 min 33 s
